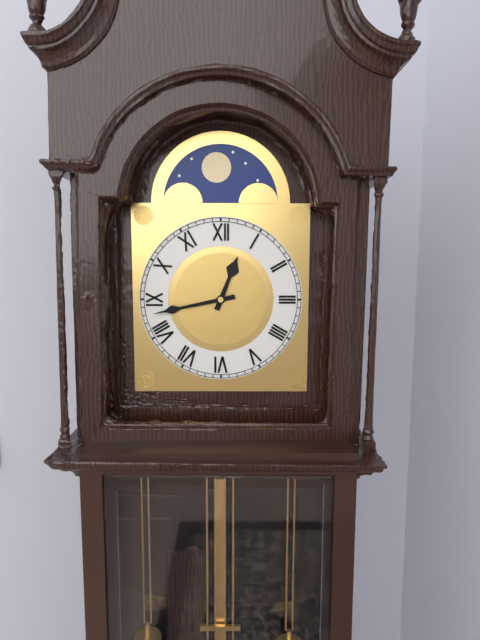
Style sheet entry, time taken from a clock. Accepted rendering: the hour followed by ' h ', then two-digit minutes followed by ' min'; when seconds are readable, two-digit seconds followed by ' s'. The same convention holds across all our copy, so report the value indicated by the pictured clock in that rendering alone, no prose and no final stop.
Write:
12 h 43 min
